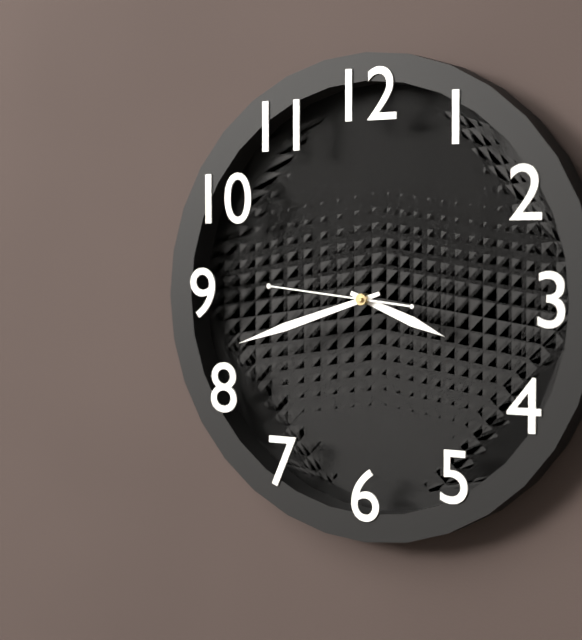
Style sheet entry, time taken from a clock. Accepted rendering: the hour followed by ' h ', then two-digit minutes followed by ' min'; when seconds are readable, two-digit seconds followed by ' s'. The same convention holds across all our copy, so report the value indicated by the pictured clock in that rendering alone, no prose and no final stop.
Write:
3 h 42 min 46 s
